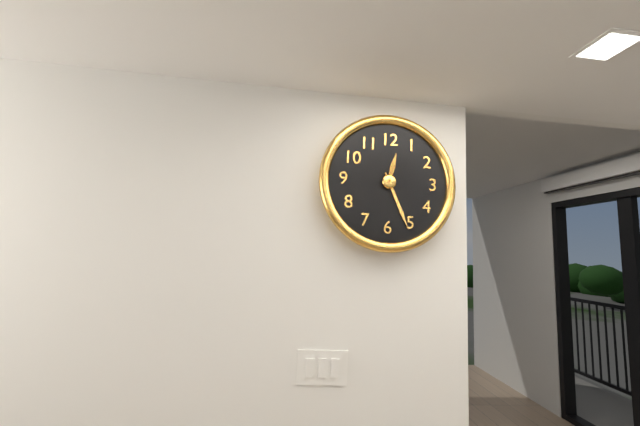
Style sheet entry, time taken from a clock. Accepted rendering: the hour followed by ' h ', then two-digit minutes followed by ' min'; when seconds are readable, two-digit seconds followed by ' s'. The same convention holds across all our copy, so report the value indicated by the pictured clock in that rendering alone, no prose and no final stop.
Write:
12 h 26 min
